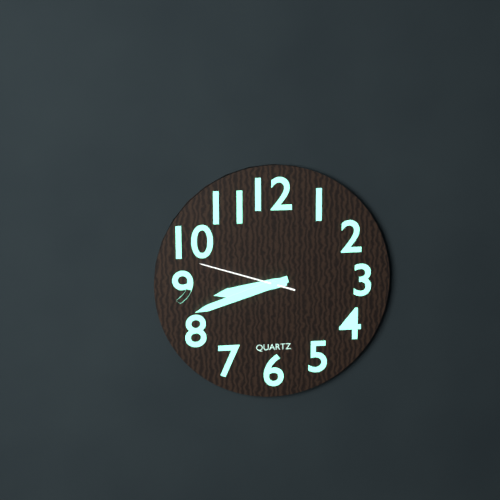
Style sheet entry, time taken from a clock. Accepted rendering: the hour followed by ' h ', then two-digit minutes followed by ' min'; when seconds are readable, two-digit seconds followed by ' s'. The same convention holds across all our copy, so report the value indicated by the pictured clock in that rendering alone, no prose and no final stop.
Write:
8 h 42 min 48 s
